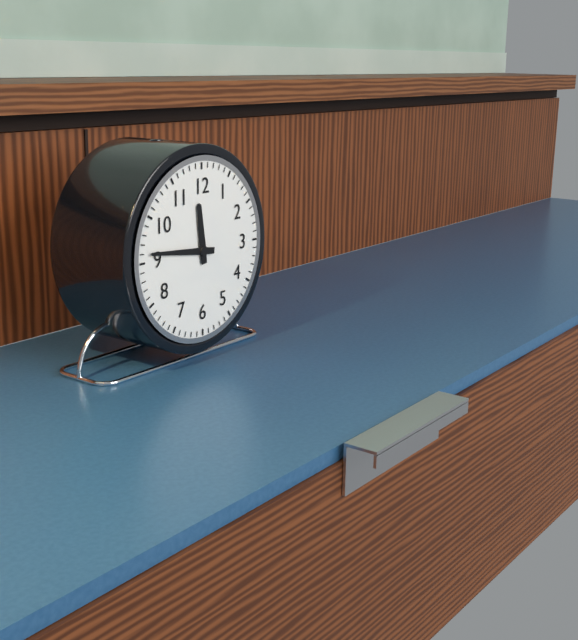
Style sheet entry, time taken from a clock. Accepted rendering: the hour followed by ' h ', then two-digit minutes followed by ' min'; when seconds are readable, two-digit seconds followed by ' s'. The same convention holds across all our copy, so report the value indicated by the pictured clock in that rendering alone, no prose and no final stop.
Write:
11 h 46 min
